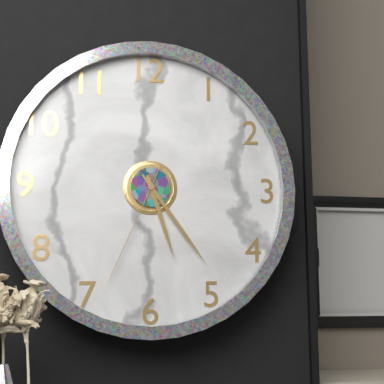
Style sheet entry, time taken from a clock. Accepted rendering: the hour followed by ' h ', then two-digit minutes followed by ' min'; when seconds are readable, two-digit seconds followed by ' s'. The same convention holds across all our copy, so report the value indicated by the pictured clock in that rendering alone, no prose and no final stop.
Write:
5 h 24 min 34 s
